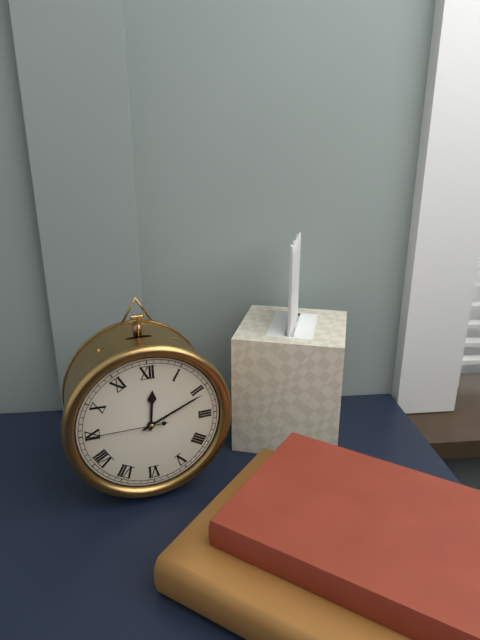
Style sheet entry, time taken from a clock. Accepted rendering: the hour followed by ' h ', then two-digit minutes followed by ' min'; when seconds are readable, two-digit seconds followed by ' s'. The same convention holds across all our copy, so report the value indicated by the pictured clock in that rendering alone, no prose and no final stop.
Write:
12 h 11 min 45 s
